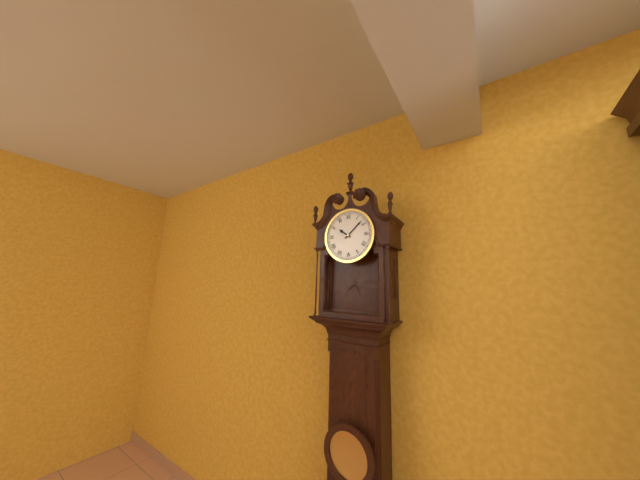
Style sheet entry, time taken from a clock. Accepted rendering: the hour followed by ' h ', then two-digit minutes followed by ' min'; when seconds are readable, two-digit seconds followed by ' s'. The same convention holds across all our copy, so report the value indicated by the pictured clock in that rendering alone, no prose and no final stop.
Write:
10 h 08 min
